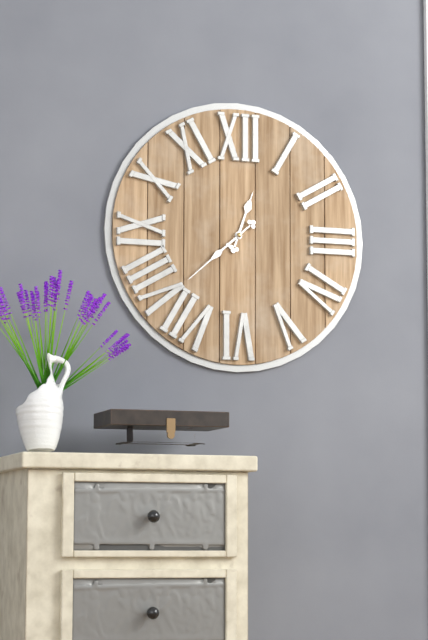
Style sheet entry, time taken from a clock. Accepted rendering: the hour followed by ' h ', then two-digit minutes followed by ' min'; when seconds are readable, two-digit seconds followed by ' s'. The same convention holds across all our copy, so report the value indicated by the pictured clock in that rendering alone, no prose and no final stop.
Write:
12 h 38 min
